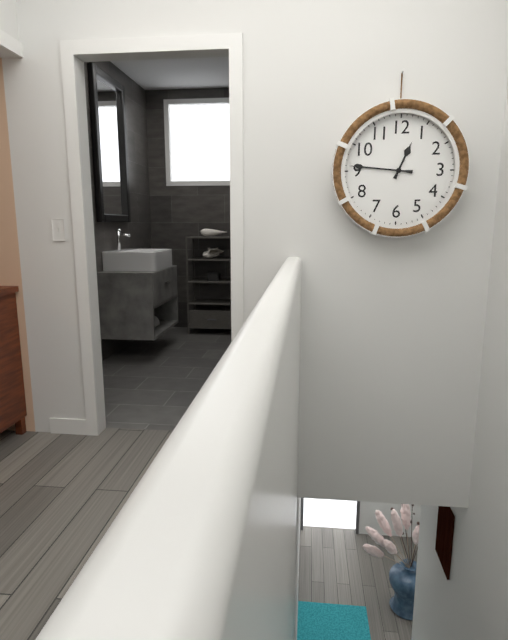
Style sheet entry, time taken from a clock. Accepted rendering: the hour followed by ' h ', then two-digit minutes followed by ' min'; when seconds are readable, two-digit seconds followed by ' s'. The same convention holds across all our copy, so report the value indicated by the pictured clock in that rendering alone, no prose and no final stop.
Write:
12 h 46 min
